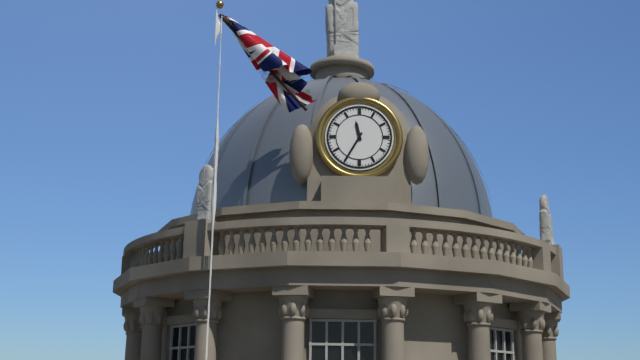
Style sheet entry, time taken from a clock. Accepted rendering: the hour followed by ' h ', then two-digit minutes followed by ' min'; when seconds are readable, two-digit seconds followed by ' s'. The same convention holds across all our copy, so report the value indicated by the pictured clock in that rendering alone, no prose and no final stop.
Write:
11 h 35 min
